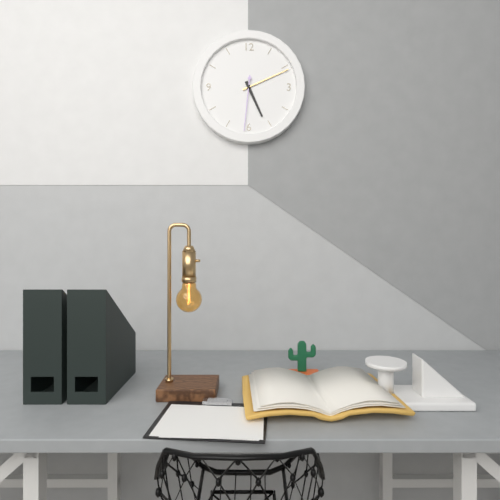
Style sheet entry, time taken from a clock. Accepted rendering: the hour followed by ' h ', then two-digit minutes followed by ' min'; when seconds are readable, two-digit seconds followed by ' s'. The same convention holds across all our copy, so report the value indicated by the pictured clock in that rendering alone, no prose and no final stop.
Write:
5 h 11 min 31 s
